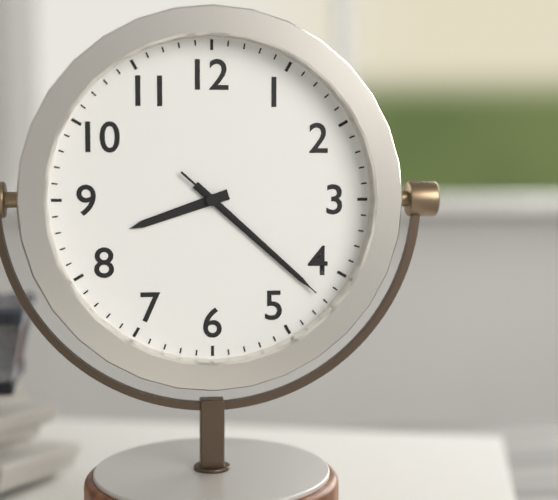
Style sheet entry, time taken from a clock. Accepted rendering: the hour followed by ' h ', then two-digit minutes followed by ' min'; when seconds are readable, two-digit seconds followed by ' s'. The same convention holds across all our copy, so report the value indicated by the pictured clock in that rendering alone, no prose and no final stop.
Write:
8 h 22 min 22 s
